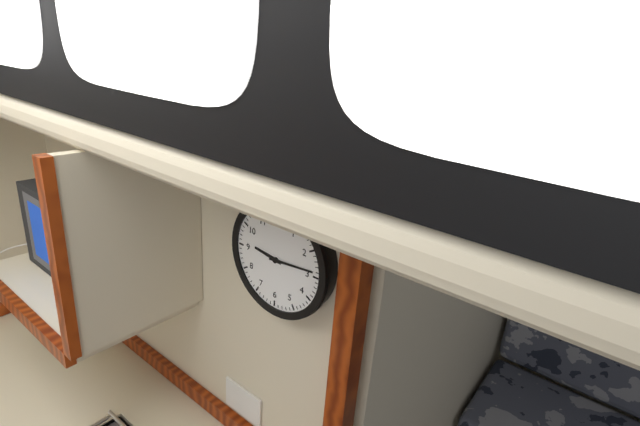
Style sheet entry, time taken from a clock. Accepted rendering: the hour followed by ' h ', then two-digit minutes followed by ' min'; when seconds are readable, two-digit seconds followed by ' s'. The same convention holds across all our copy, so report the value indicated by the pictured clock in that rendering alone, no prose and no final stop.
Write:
9 h 14 min
